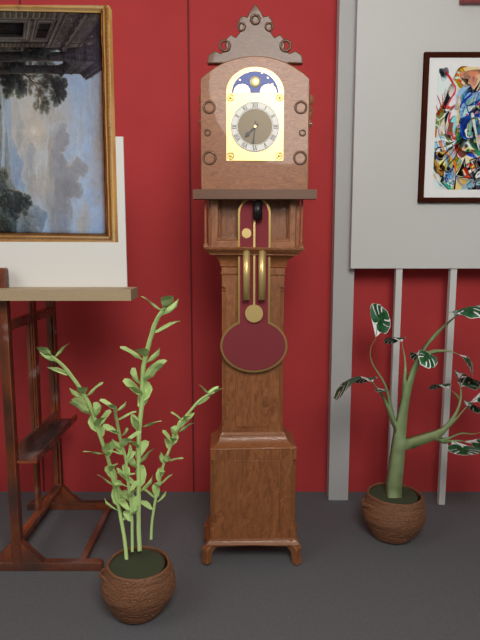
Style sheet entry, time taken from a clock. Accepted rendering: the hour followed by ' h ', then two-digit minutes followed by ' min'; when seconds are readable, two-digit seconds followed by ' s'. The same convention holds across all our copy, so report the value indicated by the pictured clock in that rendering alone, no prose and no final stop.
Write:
7 h 31 min
